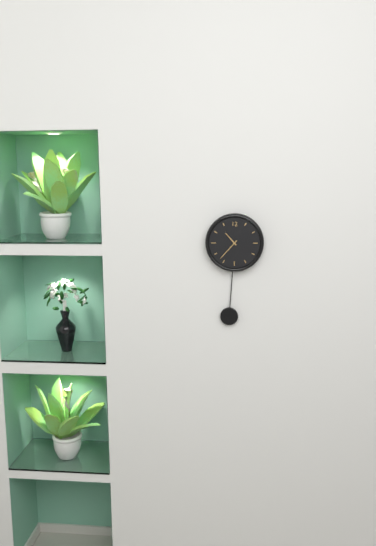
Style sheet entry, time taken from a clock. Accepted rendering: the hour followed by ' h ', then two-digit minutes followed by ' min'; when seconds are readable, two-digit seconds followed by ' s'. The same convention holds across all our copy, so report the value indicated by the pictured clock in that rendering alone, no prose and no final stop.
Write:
10 h 37 min
